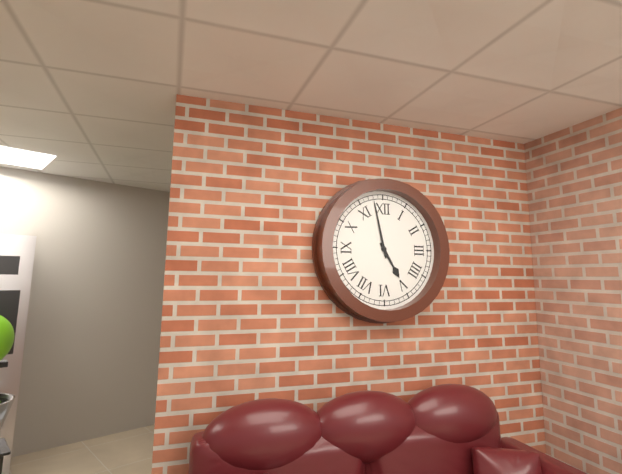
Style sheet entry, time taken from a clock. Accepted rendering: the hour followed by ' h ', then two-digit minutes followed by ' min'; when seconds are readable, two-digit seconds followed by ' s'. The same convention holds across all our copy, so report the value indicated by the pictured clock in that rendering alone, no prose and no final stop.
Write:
4 h 58 min
